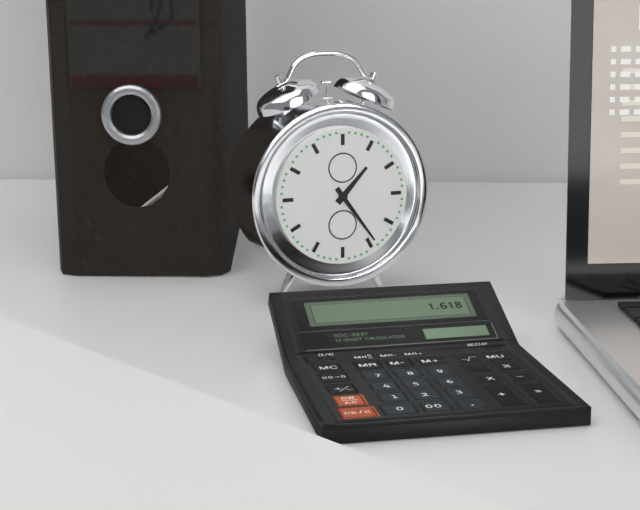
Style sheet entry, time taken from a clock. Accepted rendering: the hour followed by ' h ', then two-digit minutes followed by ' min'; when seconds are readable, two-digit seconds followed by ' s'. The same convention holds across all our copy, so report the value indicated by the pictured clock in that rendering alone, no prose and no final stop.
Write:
1 h 24 min
